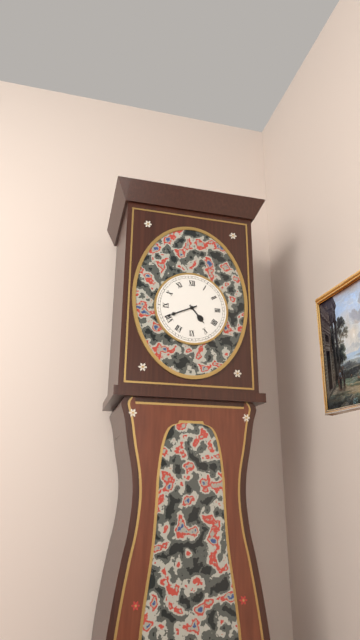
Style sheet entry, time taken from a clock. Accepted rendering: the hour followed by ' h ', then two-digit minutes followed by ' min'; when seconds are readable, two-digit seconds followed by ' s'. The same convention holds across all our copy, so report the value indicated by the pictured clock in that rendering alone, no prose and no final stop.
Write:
4 h 41 min
